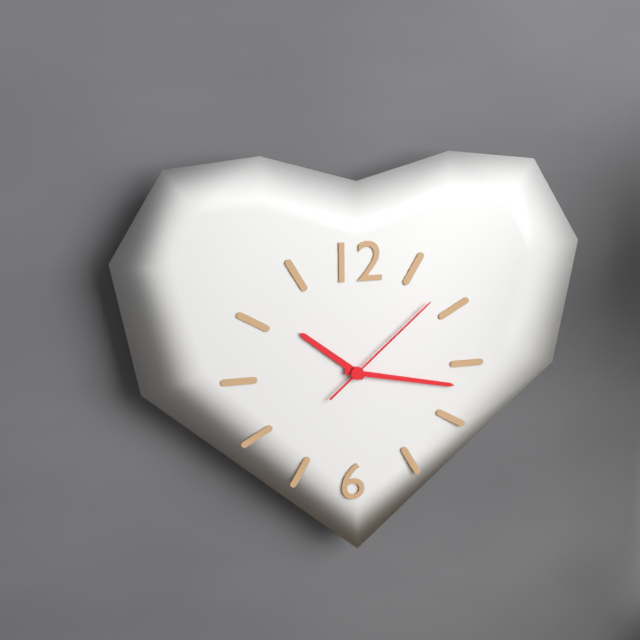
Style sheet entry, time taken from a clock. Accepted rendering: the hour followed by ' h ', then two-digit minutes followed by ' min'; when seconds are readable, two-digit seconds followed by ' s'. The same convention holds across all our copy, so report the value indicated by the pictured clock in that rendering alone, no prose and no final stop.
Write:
10 h 17 min 08 s
